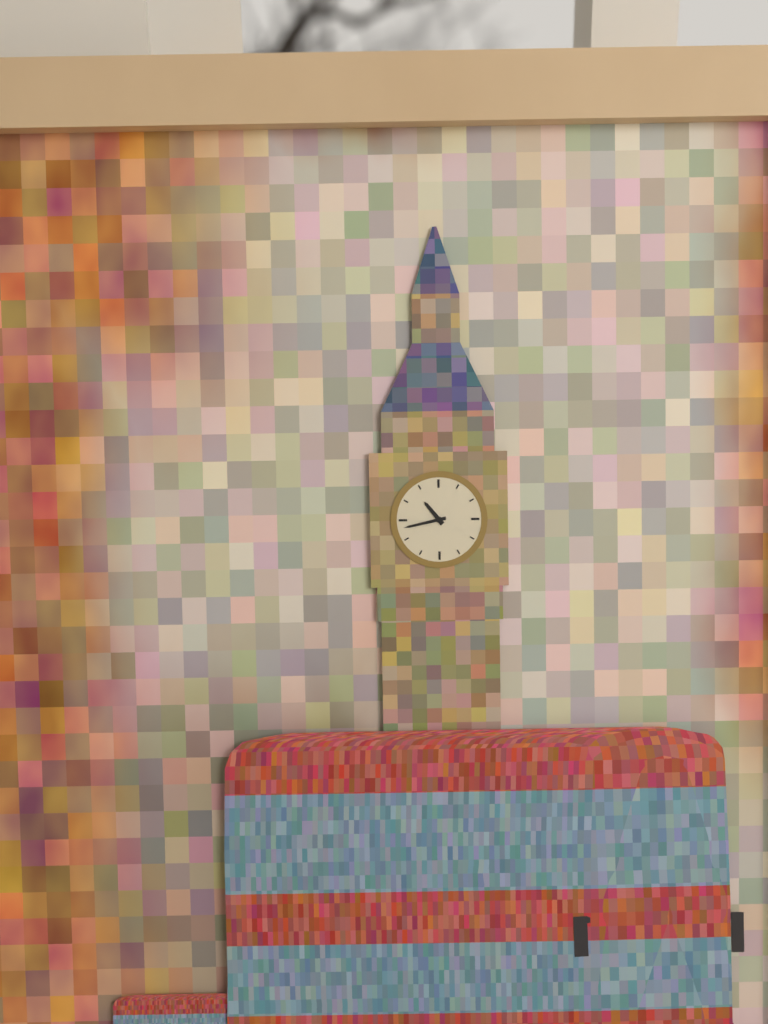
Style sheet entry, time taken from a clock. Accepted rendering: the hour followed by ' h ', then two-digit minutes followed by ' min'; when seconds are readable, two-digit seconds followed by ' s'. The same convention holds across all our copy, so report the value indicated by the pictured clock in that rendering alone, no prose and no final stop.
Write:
10 h 43 min
